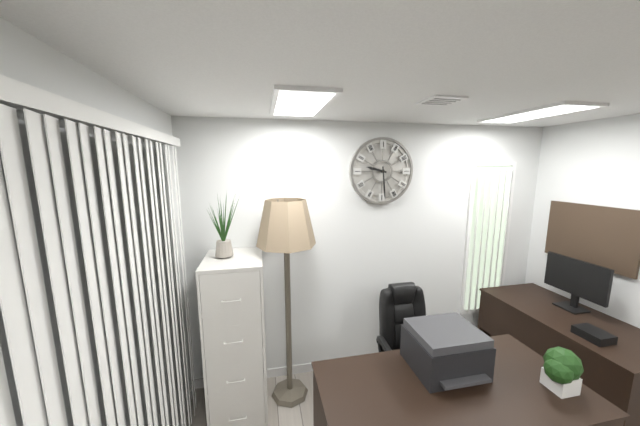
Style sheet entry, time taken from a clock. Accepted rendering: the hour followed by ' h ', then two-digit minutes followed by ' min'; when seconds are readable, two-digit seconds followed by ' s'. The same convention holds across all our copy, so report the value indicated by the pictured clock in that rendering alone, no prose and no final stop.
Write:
9 h 29 min
